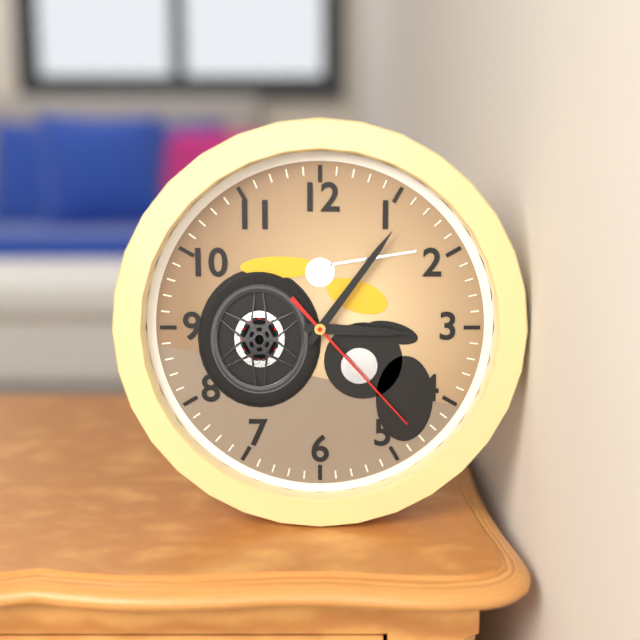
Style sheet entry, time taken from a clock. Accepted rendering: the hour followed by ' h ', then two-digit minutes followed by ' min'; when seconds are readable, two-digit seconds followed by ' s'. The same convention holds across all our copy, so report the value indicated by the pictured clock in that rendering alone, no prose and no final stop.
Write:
3 h 06 min 23 s
